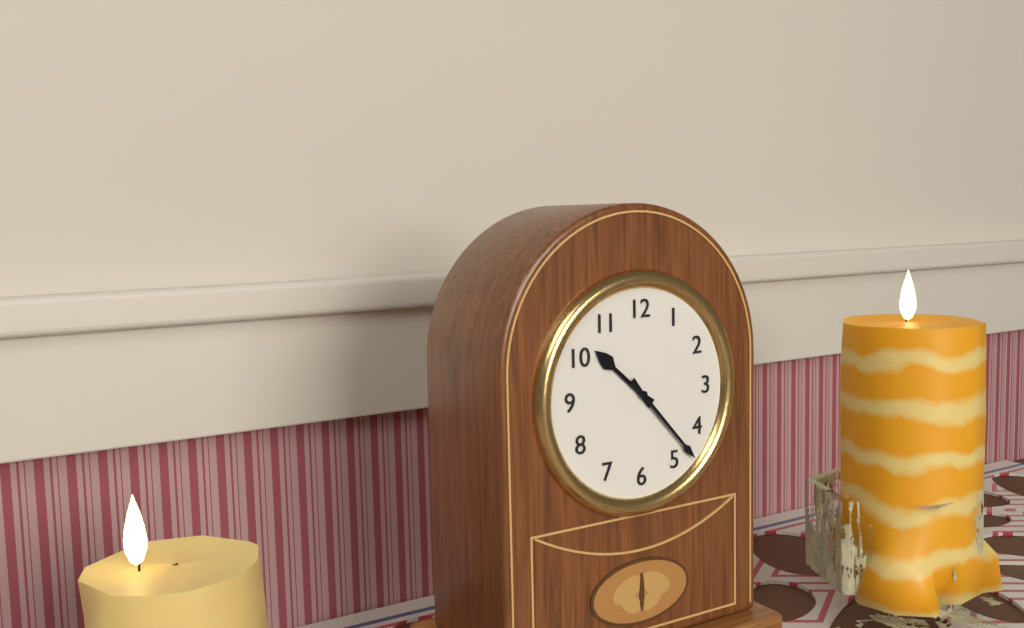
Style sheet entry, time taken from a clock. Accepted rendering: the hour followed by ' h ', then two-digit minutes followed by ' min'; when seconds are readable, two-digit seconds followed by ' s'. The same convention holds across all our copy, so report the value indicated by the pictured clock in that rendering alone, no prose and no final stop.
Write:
10 h 23 min
